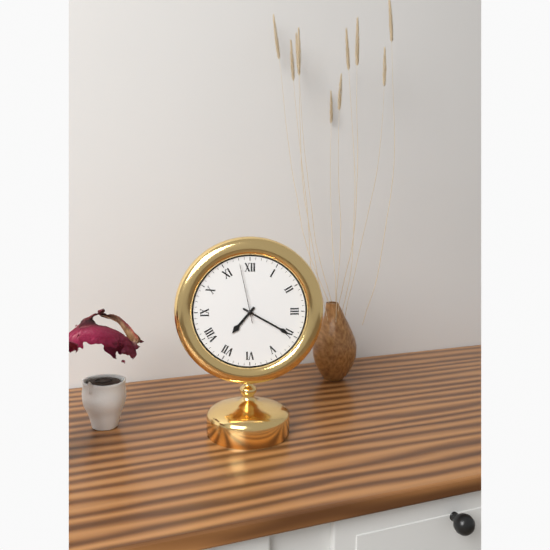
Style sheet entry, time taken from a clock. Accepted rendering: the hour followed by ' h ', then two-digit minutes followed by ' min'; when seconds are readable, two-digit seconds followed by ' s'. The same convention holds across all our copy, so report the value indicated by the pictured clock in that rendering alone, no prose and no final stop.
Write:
7 h 20 min 58 s
